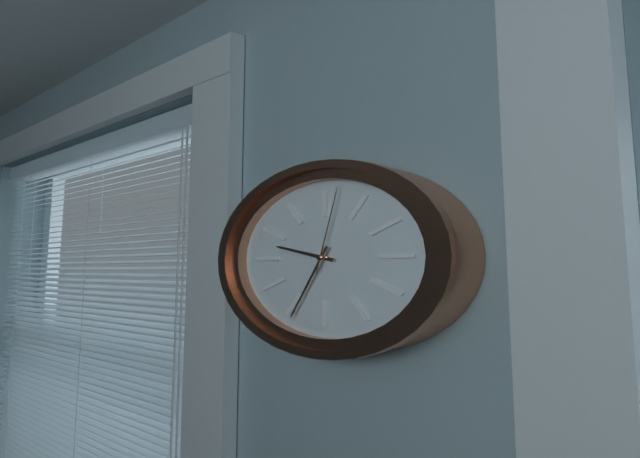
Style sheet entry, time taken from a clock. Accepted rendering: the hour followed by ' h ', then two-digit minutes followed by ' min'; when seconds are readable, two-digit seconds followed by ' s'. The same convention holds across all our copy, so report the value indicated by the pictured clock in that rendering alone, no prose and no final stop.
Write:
9 h 34 min 02 s
